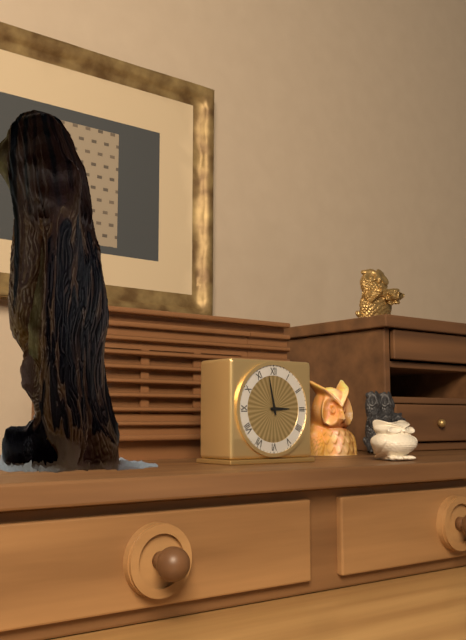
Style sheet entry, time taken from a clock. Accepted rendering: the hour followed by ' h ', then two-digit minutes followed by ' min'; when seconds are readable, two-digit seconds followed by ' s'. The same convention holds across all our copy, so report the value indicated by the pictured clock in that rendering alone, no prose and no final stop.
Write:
2 h 58 min
